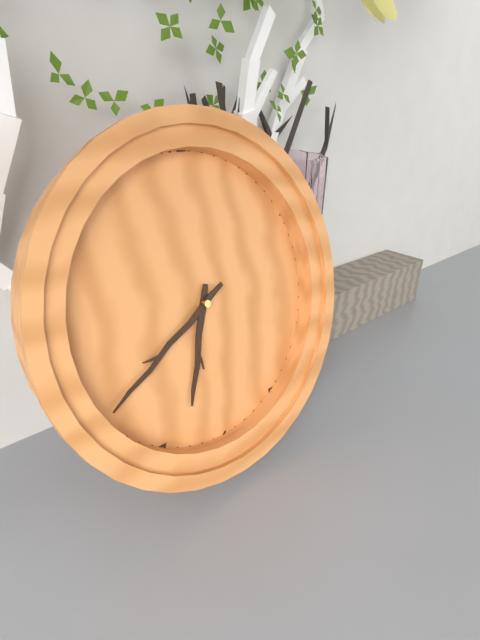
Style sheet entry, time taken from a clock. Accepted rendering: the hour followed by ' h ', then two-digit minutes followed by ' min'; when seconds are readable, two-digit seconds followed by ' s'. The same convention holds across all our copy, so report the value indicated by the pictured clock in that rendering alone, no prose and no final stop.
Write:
6 h 40 min
